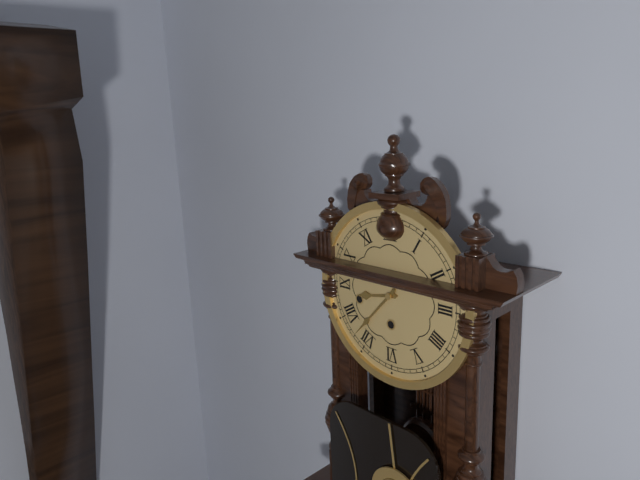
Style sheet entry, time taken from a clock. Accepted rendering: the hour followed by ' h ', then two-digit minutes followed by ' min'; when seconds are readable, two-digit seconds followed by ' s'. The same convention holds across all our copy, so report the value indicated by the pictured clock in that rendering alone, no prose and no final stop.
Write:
8 h 37 min
